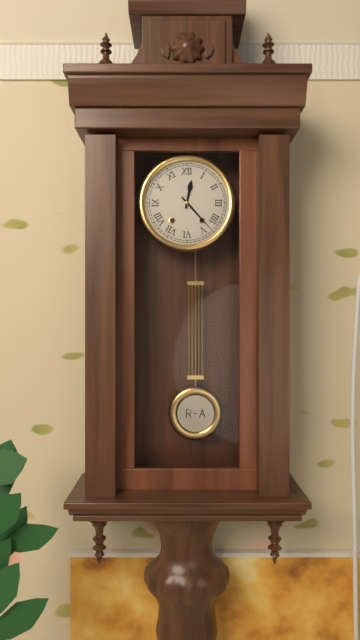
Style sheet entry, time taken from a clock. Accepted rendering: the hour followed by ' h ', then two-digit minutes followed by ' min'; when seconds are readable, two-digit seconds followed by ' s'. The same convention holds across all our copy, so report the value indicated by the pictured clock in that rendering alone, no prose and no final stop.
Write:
12 h 23 min
